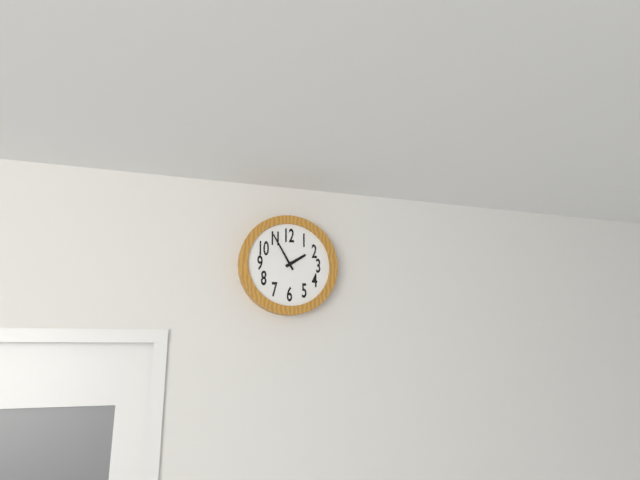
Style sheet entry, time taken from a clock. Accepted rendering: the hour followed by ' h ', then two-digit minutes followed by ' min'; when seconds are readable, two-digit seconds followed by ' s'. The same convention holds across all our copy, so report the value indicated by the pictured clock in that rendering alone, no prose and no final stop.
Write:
1 h 55 min
